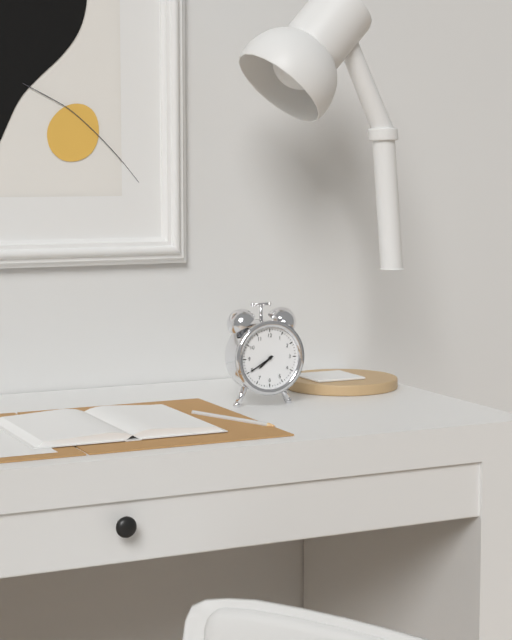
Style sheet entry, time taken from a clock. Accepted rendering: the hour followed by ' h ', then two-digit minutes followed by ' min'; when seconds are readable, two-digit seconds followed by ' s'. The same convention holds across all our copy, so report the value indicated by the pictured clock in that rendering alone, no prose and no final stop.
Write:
7 h 40 min
